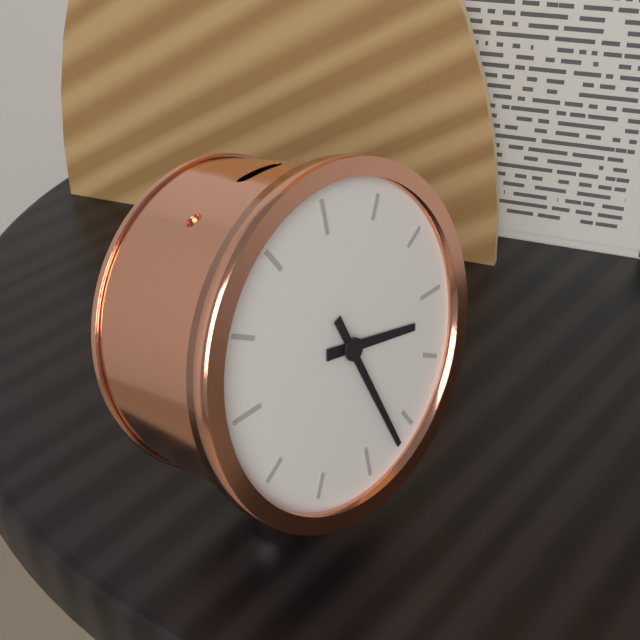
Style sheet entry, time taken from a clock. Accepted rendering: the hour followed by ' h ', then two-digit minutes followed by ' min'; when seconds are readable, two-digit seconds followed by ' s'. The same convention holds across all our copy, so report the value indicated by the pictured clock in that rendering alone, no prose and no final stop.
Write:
3 h 27 min
